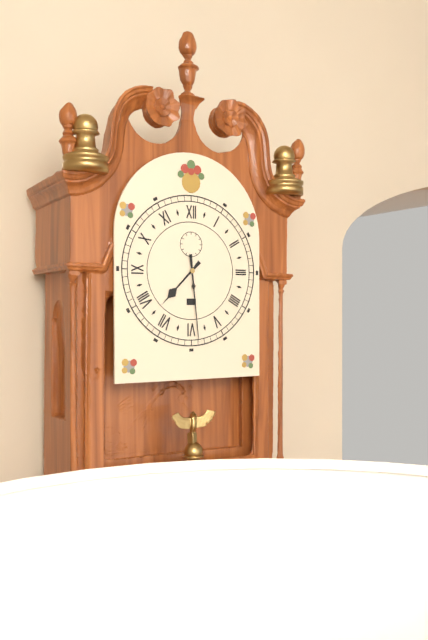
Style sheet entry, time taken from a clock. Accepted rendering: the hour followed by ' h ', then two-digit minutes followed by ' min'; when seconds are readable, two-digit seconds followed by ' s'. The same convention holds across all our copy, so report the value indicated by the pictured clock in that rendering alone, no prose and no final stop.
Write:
7 h 29 min
